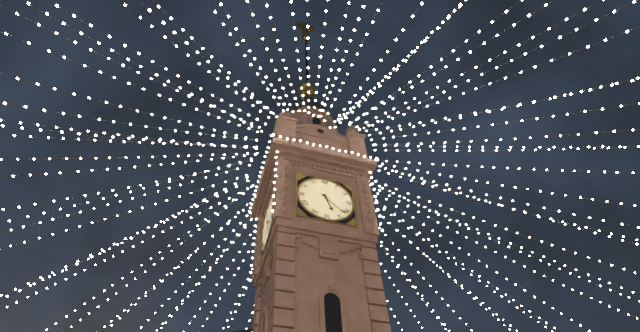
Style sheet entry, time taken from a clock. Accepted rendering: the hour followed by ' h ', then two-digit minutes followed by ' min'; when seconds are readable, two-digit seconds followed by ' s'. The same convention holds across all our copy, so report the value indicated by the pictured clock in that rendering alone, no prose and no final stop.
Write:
5 h 22 min
